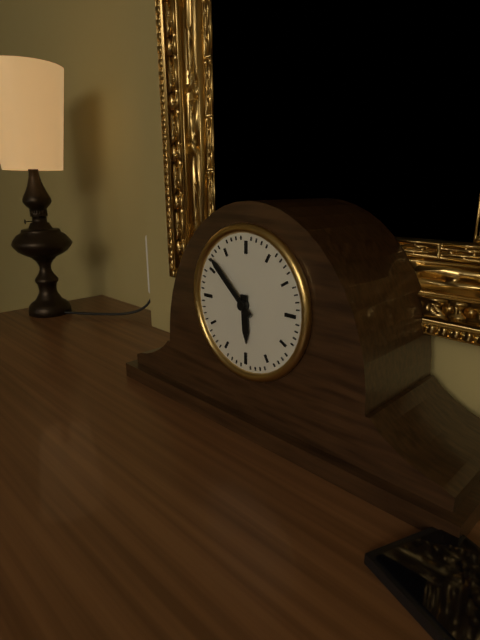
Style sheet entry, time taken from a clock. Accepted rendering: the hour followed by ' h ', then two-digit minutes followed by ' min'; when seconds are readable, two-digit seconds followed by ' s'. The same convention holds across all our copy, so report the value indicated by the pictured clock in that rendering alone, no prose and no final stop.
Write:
5 h 52 min
